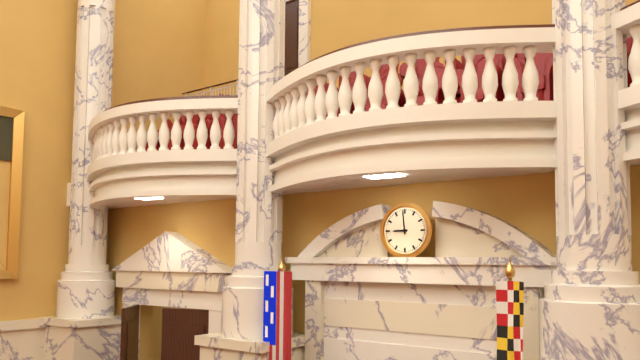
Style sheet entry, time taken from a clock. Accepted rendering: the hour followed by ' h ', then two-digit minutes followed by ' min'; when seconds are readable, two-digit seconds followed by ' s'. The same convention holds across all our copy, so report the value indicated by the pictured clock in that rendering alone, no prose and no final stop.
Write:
8 h 59 min
